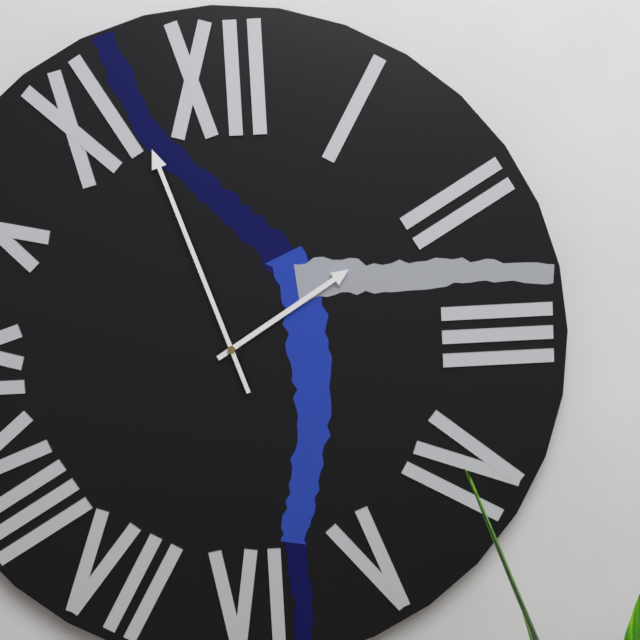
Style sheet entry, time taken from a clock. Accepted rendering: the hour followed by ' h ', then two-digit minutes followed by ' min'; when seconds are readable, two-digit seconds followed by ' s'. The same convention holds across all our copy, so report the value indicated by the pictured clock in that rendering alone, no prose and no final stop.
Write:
1 h 57 min
